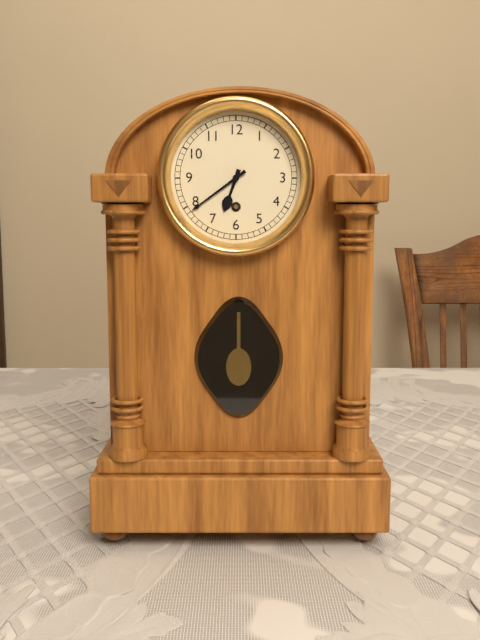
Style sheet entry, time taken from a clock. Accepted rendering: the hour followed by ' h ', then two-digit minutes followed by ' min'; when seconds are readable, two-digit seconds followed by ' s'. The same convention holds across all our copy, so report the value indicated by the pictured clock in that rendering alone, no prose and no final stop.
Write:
6 h 39 min
